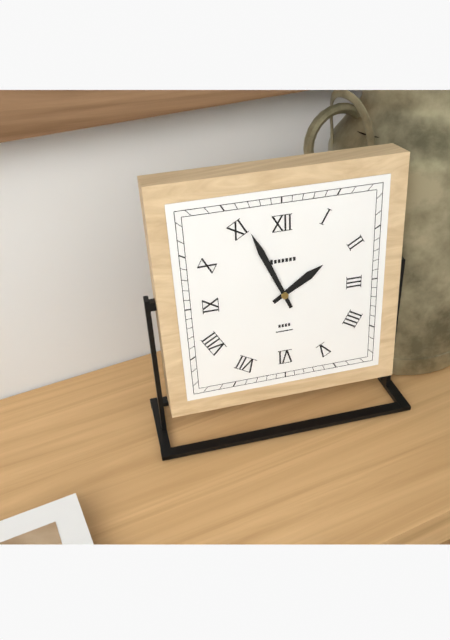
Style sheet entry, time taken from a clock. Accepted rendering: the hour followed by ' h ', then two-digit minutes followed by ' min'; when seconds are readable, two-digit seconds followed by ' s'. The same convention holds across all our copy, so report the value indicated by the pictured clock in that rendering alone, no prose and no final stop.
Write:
1 h 56 min
